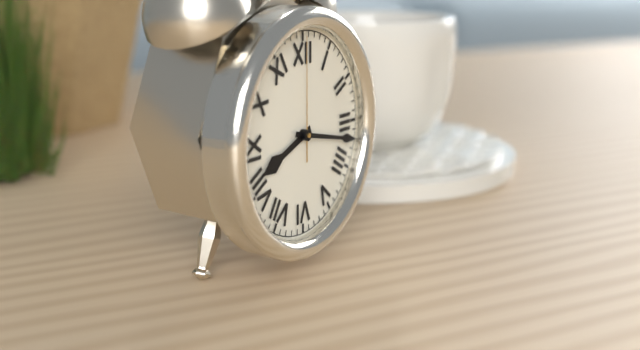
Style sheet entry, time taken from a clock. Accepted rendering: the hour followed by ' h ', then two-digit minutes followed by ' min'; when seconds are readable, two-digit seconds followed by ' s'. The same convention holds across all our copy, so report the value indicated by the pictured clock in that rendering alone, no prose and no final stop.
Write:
8 h 17 min 00 s
